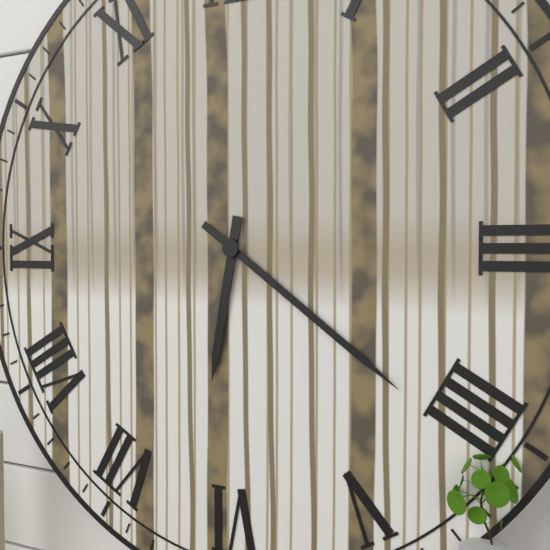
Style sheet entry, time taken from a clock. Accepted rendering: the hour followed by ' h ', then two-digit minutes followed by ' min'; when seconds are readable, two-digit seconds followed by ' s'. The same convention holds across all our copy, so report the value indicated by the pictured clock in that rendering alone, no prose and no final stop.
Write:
6 h 21 min
